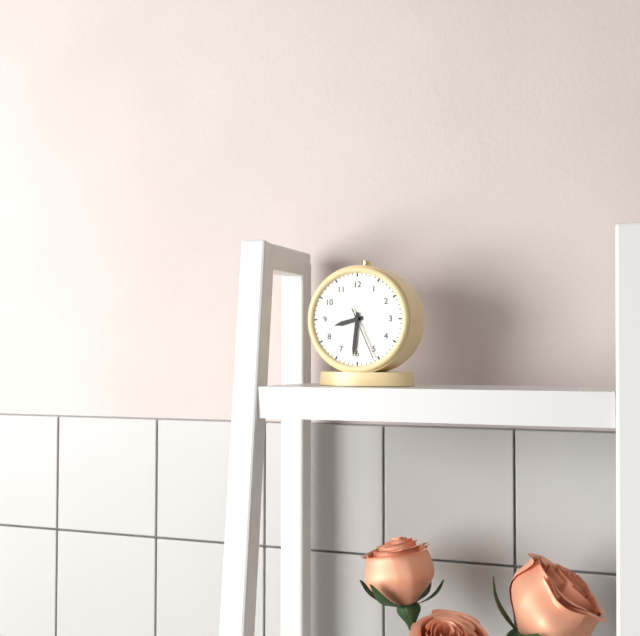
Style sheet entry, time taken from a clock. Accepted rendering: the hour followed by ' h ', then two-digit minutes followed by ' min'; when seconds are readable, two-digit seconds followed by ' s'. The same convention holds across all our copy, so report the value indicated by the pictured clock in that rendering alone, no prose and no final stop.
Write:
8 h 31 min 26 s
